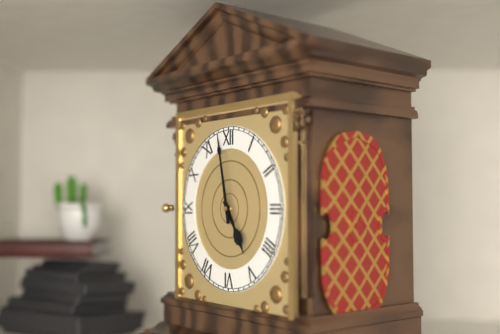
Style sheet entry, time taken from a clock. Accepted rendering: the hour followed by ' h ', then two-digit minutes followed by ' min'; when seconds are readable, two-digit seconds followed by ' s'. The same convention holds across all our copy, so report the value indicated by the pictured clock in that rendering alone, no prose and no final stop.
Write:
4 h 58 min
